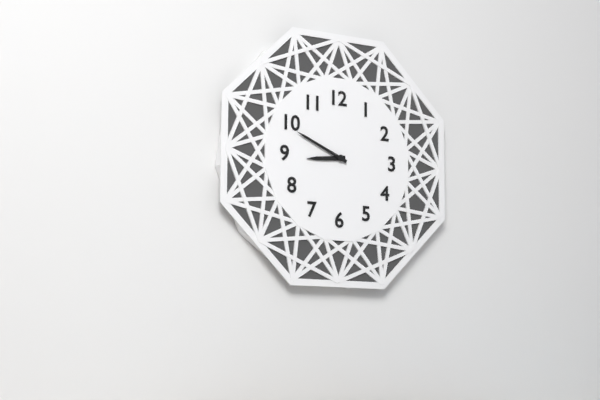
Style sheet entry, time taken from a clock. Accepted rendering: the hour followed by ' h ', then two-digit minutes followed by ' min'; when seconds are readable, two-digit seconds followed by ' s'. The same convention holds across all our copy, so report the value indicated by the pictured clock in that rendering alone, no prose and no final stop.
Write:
8 h 49 min
